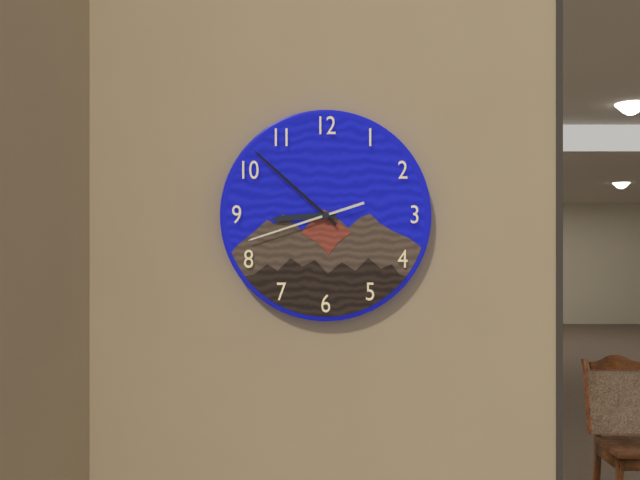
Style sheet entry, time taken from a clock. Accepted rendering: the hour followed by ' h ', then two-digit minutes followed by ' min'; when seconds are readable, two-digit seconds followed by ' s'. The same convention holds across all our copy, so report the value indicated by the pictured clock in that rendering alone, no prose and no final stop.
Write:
8 h 52 min 42 s
